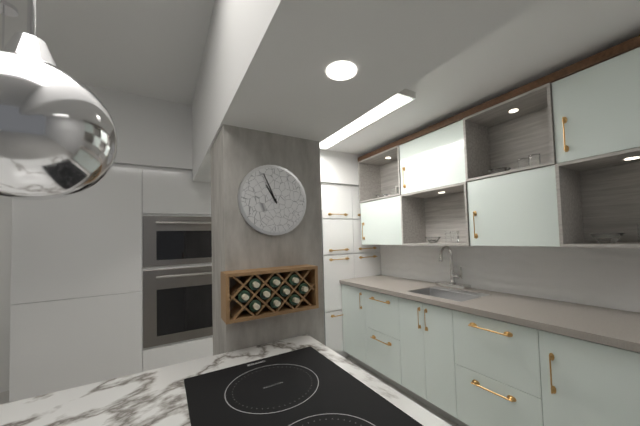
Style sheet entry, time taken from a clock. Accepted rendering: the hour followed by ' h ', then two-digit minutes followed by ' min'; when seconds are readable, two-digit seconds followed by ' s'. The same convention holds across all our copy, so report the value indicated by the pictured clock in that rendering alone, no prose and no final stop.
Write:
10 h 56 min
